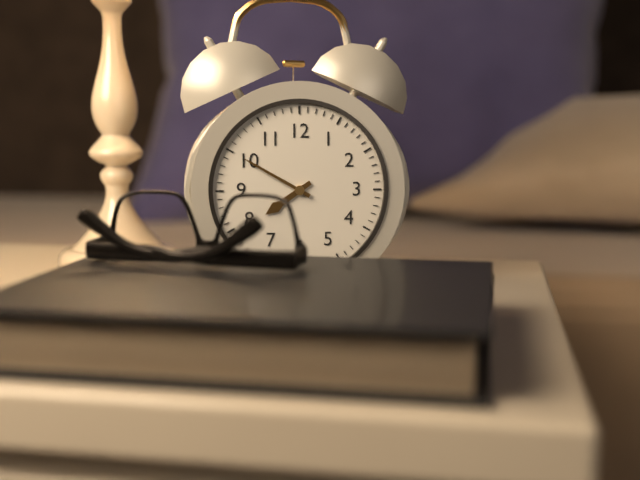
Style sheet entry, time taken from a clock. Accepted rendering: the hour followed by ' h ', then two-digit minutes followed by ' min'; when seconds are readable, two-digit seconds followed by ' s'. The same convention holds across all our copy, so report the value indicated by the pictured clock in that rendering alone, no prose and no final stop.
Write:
7 h 50 min
